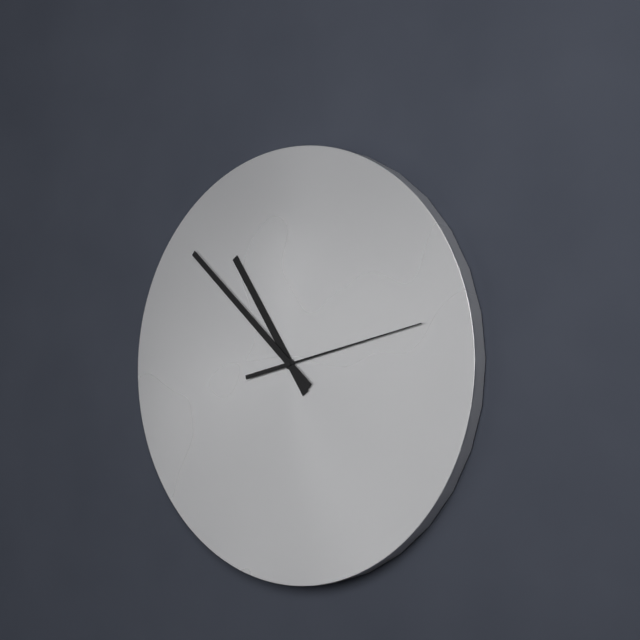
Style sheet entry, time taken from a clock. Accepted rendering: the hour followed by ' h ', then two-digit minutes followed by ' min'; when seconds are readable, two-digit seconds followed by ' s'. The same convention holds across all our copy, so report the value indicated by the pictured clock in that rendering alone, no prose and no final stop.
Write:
10 h 52 min 13 s
